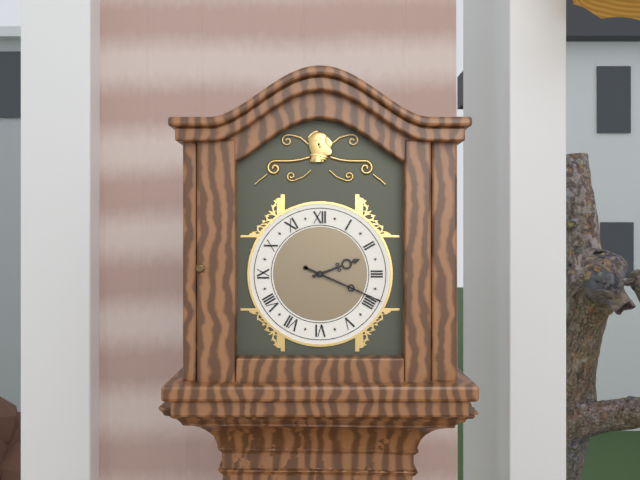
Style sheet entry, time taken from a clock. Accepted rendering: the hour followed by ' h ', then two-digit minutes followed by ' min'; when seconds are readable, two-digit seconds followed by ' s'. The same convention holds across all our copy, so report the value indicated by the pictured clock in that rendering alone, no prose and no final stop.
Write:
2 h 19 min
